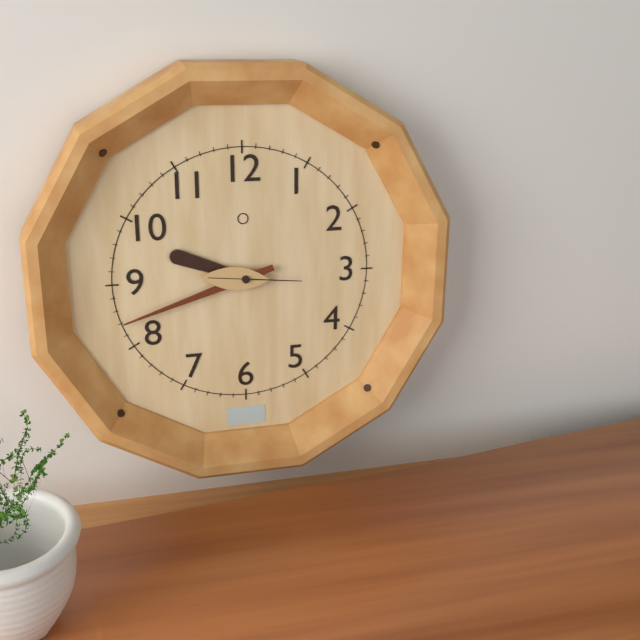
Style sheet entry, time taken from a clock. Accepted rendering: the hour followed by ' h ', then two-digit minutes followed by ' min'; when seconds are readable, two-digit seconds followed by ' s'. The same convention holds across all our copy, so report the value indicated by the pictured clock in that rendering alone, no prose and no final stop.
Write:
9 h 42 min 16 s
